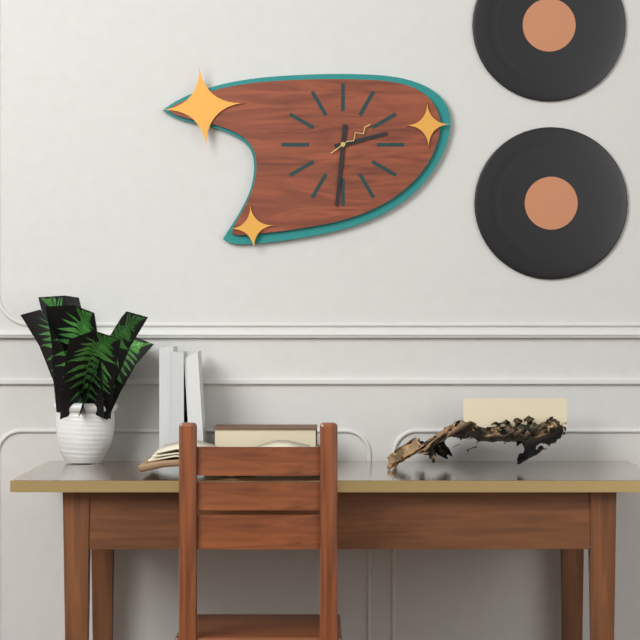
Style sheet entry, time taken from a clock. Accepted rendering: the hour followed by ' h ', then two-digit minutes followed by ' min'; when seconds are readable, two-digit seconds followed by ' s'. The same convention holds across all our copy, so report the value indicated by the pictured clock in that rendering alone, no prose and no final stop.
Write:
2 h 31 min
